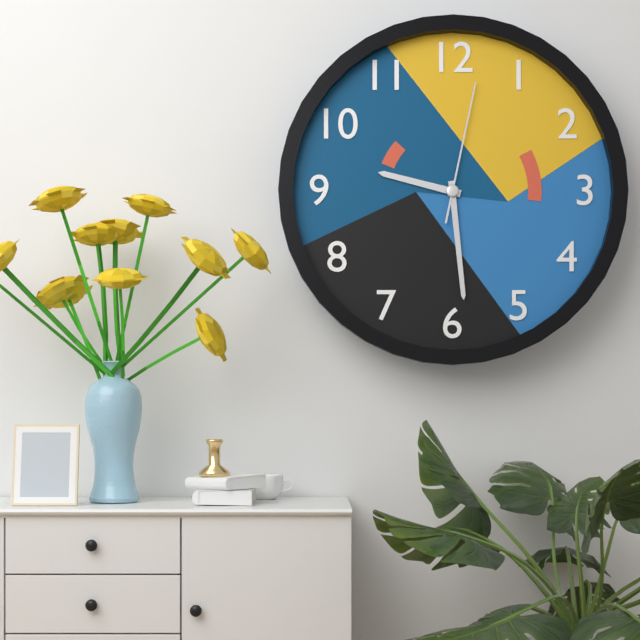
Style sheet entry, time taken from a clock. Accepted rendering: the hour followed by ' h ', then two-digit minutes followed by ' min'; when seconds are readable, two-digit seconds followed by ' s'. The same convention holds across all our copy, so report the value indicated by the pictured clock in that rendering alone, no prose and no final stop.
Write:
9 h 29 min 02 s
